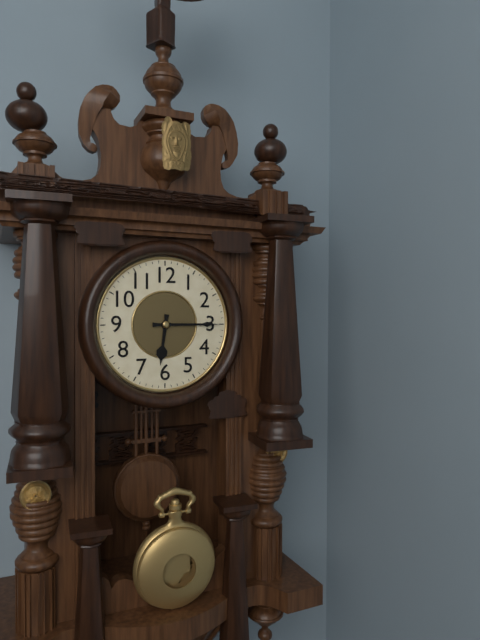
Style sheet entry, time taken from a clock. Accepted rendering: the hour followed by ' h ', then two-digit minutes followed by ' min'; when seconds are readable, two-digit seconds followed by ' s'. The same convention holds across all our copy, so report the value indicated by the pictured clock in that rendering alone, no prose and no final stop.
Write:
6 h 15 min
